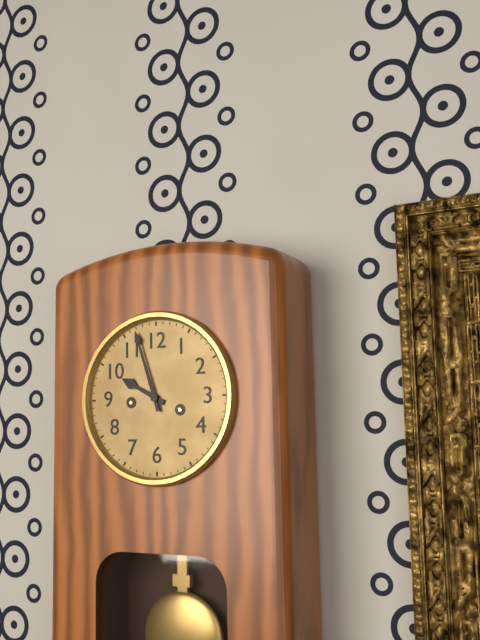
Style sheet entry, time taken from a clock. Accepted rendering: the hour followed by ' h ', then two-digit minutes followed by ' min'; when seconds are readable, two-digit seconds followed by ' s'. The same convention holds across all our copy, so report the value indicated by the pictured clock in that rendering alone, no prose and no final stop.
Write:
9 h 57 min
